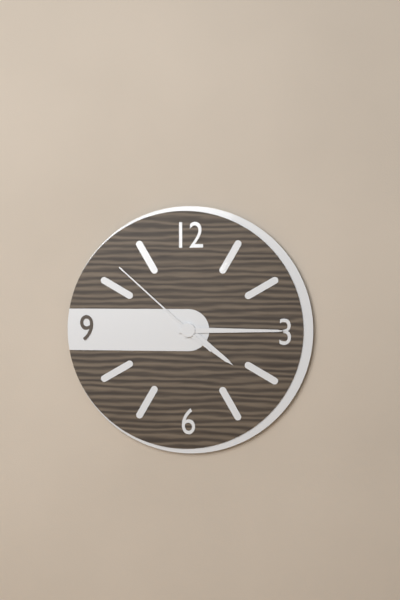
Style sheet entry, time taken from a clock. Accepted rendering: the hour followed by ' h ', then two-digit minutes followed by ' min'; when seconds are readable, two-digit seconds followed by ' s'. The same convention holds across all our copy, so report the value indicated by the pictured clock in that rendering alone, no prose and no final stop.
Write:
4 h 15 min 52 s
